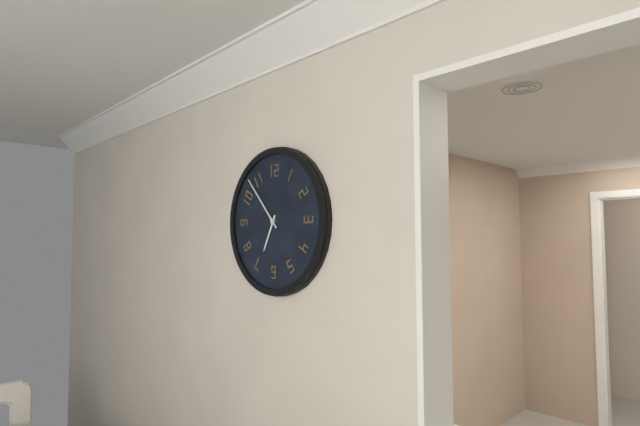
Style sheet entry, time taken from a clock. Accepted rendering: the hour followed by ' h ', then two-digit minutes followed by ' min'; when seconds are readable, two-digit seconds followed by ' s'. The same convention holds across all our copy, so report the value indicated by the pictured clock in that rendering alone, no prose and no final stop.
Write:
6 h 53 min
